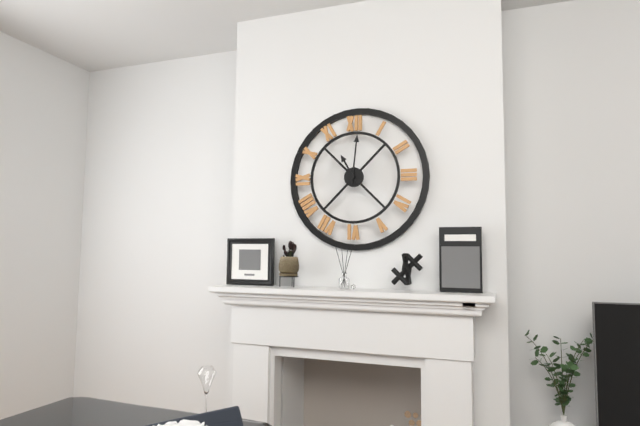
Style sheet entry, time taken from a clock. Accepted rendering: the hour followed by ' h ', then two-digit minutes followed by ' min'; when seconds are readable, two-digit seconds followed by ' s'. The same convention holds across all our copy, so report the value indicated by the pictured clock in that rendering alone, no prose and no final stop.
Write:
11 h 01 min
